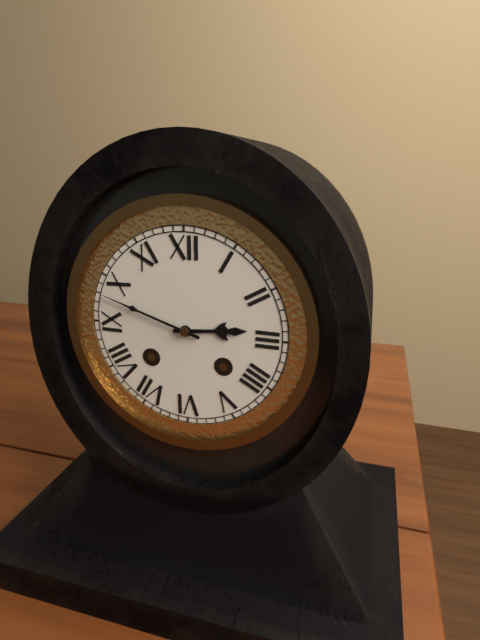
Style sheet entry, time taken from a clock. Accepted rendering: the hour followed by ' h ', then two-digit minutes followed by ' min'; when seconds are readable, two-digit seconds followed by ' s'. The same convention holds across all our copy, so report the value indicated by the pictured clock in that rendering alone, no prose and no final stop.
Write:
2 h 48 min
